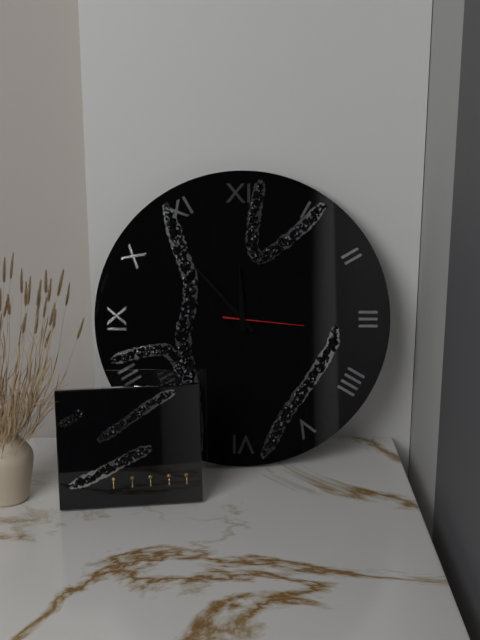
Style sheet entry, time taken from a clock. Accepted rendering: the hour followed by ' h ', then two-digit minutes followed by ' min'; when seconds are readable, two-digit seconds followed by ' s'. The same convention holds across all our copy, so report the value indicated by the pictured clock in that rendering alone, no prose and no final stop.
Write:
11 h 53 min 16 s
